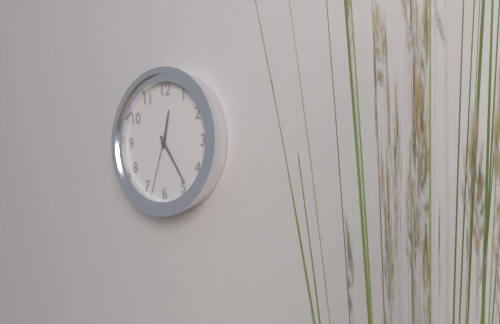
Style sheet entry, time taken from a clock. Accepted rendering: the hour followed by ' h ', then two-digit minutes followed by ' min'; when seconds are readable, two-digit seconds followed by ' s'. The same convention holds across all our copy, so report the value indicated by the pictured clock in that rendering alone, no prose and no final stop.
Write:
12 h 24 min 33 s
